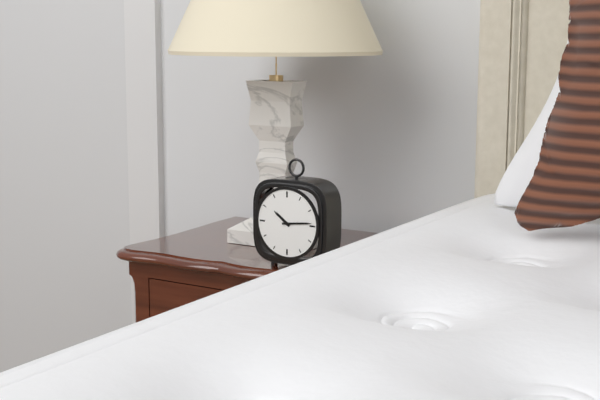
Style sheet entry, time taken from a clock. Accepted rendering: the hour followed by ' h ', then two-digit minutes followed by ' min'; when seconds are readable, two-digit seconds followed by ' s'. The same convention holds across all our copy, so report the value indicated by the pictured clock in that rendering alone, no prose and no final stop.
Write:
10 h 14 min
